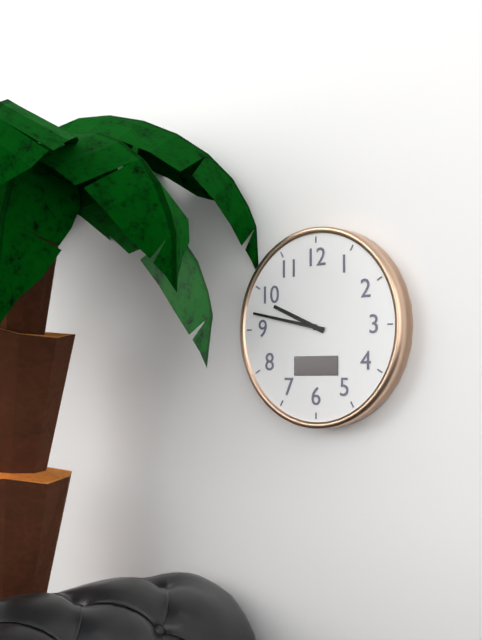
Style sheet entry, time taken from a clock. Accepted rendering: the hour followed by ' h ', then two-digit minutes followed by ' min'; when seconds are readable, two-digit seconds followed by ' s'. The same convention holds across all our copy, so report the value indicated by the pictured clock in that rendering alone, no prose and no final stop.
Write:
9 h 47 min
